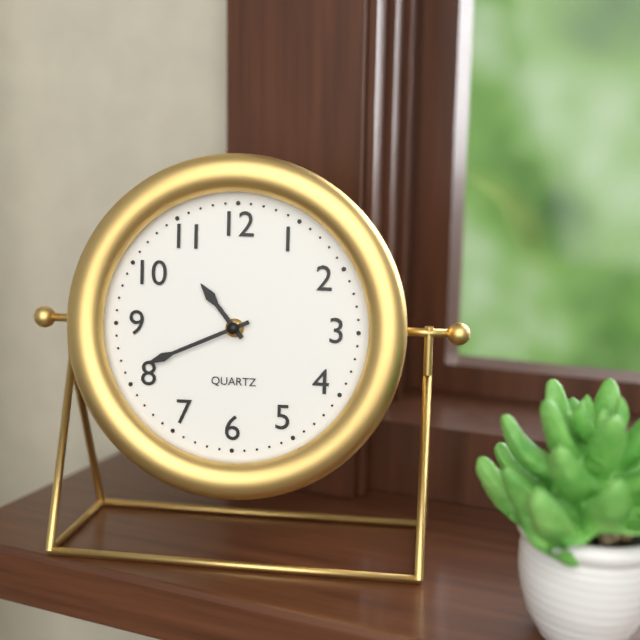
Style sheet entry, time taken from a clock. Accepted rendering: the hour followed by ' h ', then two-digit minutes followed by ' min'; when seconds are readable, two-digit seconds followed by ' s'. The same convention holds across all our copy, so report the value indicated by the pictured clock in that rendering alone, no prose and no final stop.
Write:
10 h 41 min
